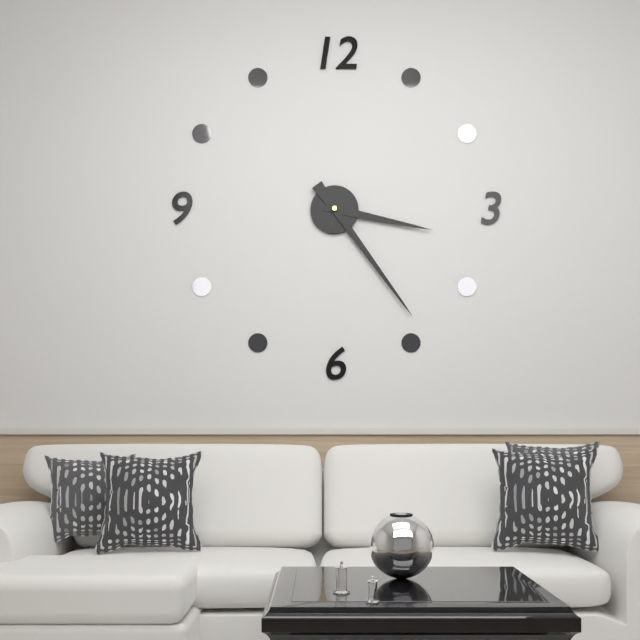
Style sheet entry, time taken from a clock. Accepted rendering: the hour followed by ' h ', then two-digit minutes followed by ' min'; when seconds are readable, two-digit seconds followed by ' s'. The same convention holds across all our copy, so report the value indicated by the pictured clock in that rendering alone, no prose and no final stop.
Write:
3 h 24 min
